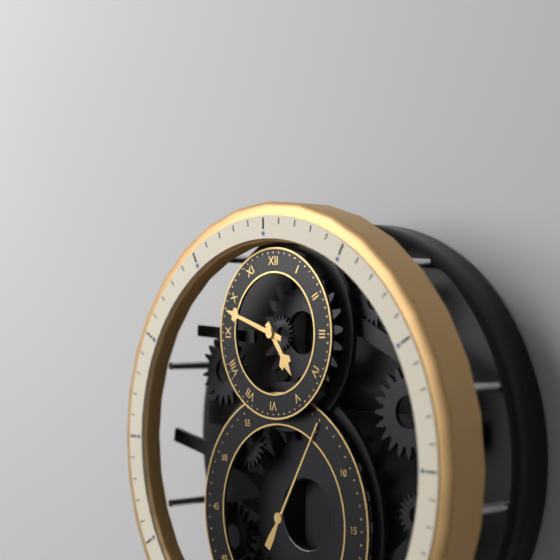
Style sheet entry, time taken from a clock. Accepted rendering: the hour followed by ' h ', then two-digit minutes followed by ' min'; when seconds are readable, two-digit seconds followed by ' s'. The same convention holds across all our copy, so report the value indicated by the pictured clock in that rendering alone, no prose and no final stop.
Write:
4 h 48 min 05 s
